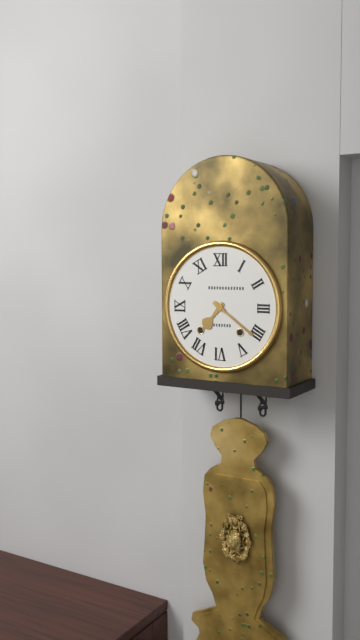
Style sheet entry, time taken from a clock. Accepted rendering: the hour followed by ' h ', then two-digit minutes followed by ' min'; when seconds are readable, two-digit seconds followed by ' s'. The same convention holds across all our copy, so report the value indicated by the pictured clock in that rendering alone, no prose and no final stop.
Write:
7 h 21 min
